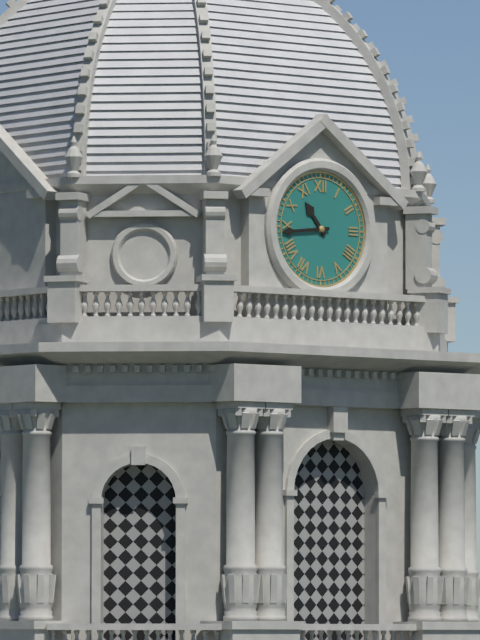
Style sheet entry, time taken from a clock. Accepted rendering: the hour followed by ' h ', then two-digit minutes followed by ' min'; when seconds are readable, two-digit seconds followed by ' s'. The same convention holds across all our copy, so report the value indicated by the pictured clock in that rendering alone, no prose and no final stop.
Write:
10 h 44 min
